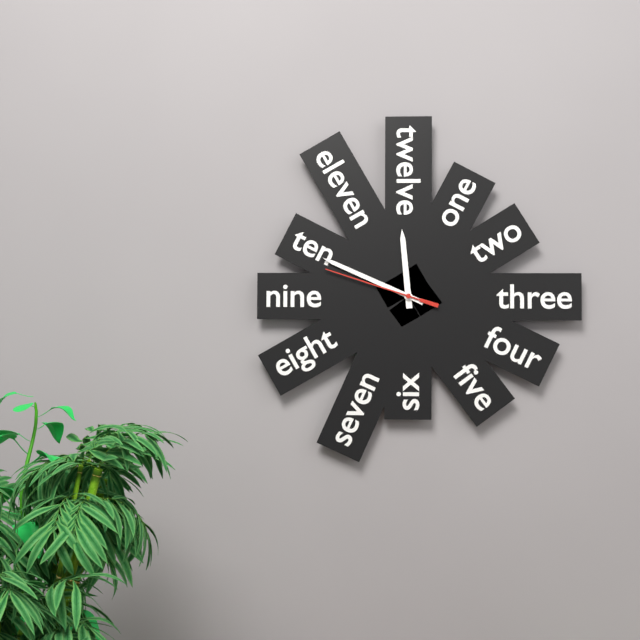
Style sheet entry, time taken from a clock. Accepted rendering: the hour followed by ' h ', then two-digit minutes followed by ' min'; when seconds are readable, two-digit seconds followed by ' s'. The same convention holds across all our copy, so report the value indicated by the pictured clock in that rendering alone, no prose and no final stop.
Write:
11 h 49 min 48 s
